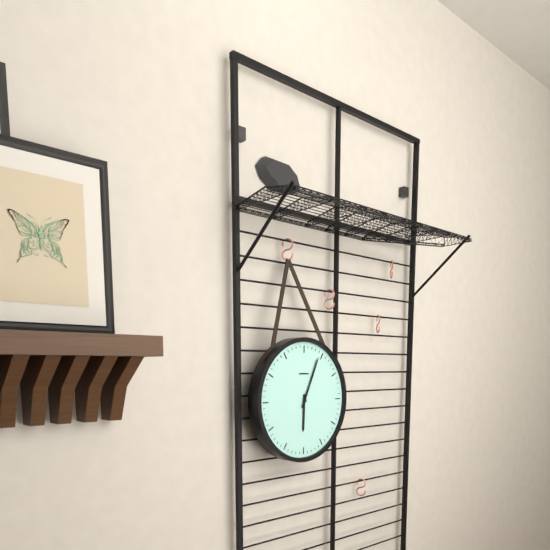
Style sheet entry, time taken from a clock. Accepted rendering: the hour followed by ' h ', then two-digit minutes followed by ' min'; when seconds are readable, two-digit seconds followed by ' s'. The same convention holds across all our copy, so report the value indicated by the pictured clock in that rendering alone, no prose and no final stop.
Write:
6 h 04 min
